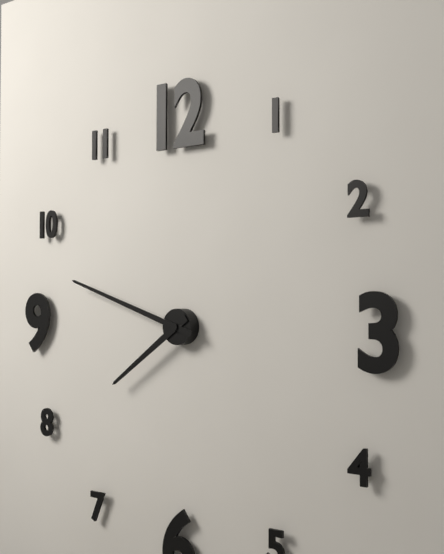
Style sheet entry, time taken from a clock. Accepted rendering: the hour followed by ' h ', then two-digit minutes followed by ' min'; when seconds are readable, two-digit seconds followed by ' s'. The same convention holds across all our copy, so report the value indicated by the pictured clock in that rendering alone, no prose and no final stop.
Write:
7 h 48 min
